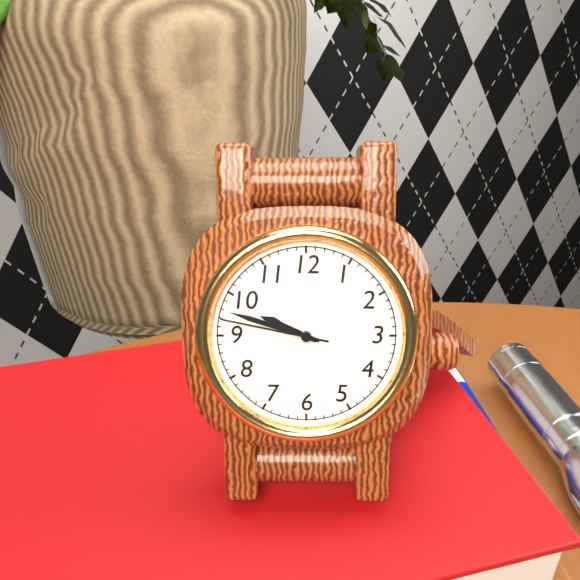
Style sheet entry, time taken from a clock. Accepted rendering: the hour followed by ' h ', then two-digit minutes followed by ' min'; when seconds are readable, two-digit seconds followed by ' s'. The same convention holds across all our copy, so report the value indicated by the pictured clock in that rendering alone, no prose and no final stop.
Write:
9 h 48 min 47 s
